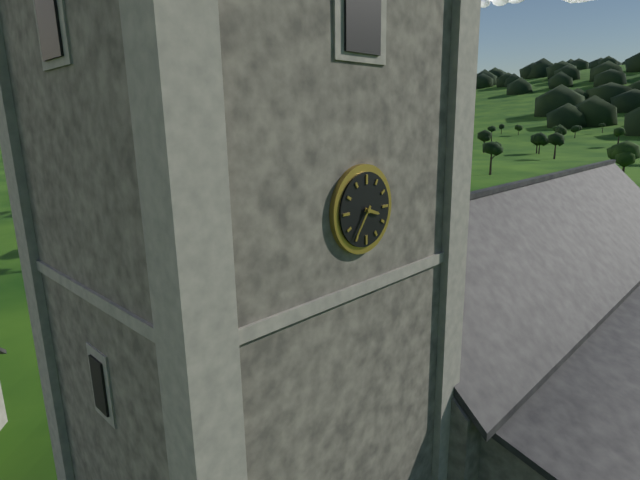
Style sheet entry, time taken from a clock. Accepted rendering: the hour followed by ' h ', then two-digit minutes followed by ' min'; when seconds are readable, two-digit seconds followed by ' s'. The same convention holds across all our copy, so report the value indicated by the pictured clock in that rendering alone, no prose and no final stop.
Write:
3 h 36 min
